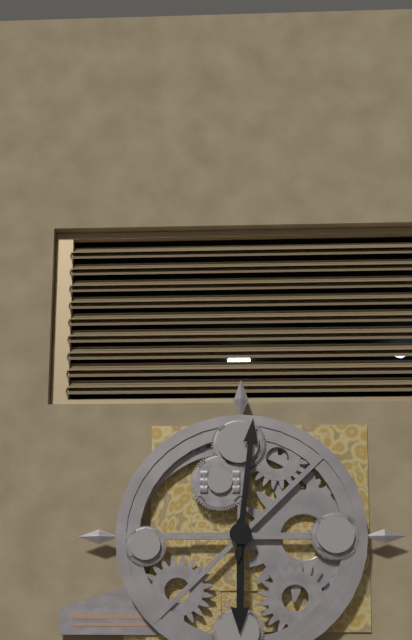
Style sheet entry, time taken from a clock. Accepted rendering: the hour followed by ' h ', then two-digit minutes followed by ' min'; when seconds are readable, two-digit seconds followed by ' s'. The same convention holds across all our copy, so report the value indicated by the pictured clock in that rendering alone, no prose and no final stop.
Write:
6 h 01 min
